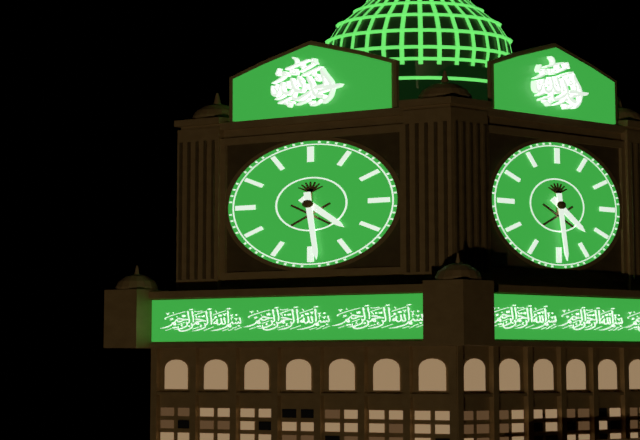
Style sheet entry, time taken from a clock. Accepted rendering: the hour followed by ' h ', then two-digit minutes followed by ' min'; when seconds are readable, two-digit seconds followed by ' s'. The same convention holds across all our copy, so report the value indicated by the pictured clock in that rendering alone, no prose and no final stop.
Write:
4 h 29 min
